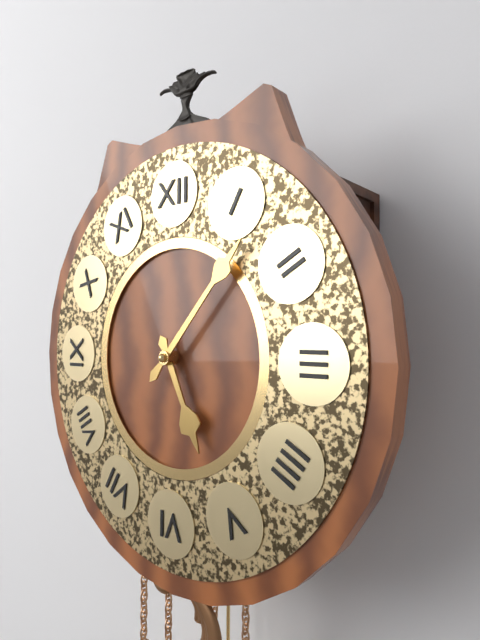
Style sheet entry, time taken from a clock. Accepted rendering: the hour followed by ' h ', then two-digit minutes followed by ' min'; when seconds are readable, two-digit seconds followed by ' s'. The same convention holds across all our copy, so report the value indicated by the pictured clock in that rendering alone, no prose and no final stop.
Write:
5 h 07 min
